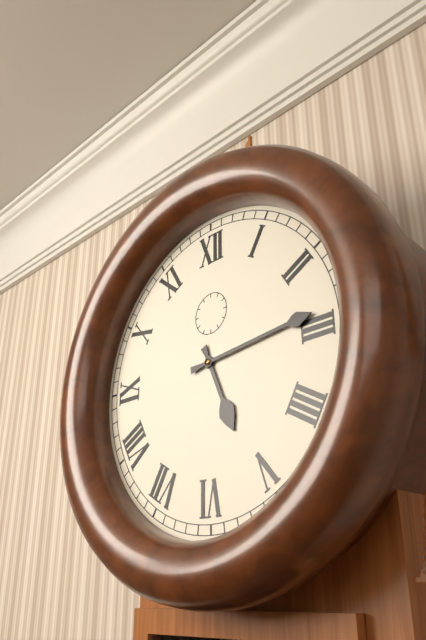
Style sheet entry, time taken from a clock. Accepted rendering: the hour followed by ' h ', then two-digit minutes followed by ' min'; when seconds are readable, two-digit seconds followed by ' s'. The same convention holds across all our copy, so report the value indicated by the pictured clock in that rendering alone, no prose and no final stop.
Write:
5 h 14 min
